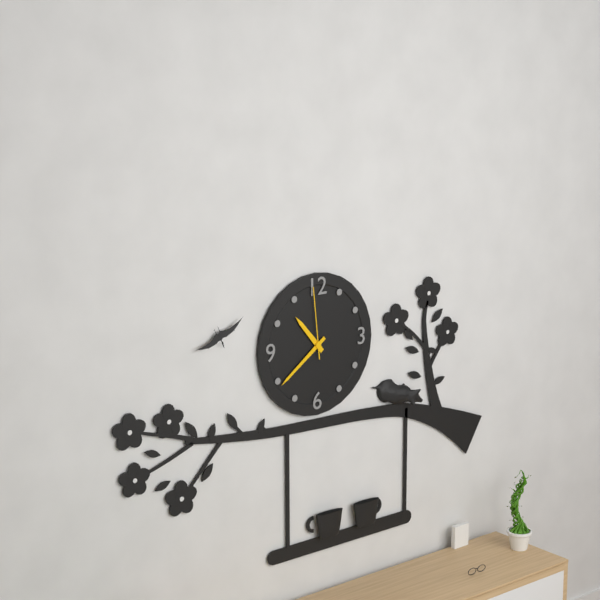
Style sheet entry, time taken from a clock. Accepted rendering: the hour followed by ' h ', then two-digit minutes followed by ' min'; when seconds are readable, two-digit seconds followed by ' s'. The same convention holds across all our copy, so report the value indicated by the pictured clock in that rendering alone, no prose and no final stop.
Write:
10 h 39 min 59 s
